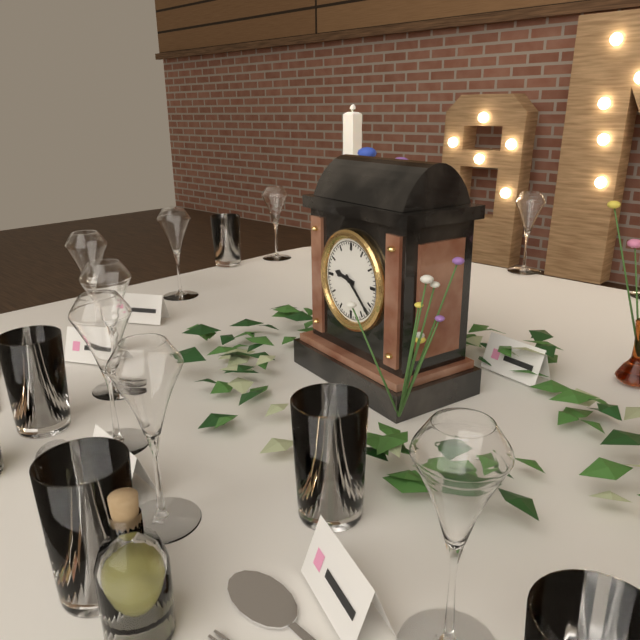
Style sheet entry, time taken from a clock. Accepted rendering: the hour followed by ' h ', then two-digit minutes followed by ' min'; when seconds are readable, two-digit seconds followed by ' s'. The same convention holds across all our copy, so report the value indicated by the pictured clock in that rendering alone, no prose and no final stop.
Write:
9 h 22 min
